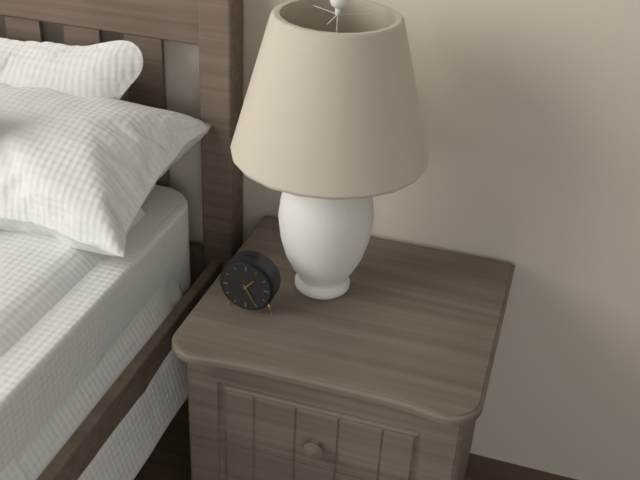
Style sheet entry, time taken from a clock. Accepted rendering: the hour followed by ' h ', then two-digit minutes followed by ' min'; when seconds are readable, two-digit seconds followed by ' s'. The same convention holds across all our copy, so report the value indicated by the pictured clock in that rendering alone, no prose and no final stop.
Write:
1 h 25 min
